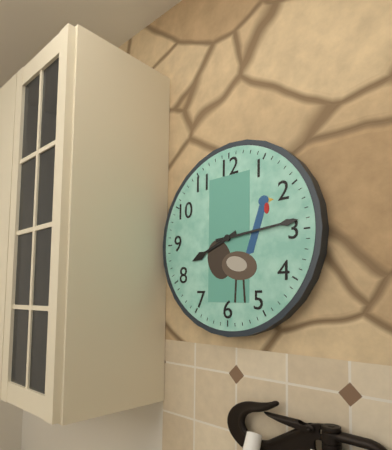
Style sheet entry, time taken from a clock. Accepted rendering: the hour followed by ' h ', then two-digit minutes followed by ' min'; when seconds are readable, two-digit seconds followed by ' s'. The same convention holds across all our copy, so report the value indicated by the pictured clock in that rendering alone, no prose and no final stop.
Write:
8 h 14 min
